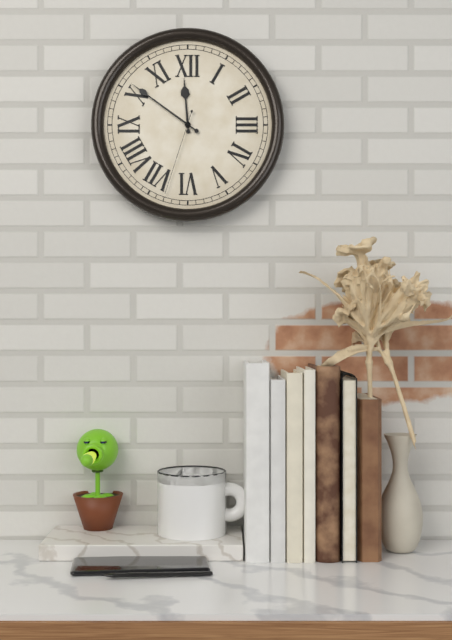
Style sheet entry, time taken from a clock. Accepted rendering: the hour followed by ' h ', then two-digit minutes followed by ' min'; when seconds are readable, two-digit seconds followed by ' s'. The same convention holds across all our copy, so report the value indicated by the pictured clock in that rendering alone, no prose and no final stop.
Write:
11 h 51 min 33 s
